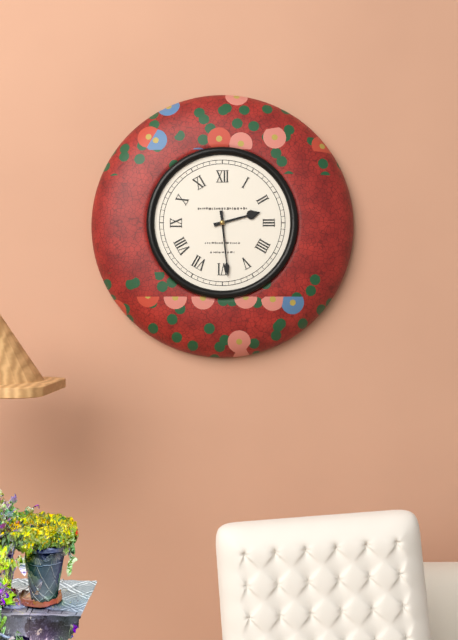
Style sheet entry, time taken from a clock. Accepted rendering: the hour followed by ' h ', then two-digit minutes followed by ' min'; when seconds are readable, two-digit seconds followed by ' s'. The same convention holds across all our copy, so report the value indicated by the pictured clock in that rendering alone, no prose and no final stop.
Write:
2 h 29 min
